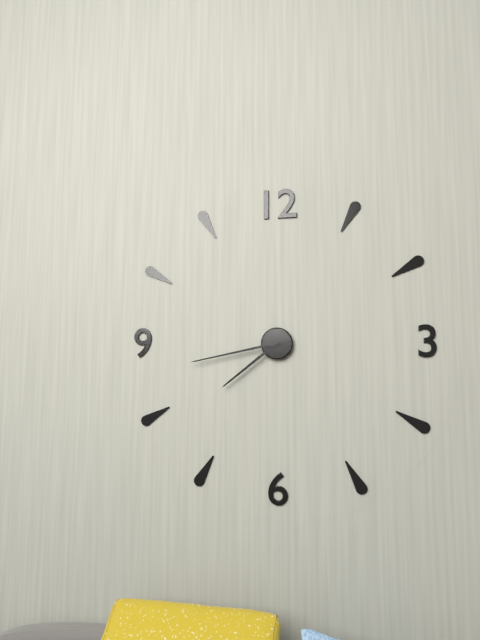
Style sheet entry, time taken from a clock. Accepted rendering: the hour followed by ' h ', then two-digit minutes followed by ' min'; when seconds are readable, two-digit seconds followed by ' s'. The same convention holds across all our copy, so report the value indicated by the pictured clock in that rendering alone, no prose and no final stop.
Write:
7 h 43 min
